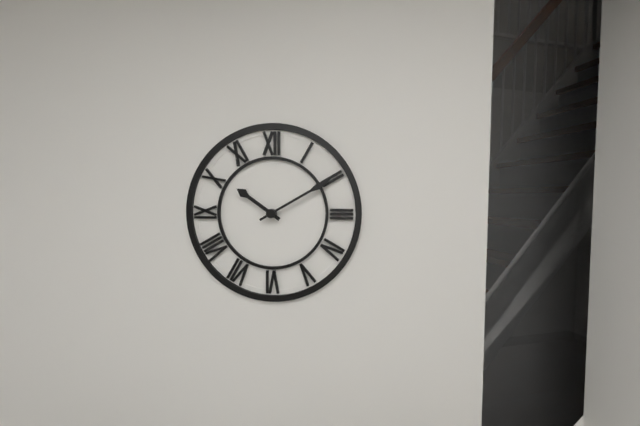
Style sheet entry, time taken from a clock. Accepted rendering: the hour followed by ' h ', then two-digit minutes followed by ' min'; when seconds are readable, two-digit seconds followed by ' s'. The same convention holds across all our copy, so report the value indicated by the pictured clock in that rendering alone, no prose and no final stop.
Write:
10 h 10 min
